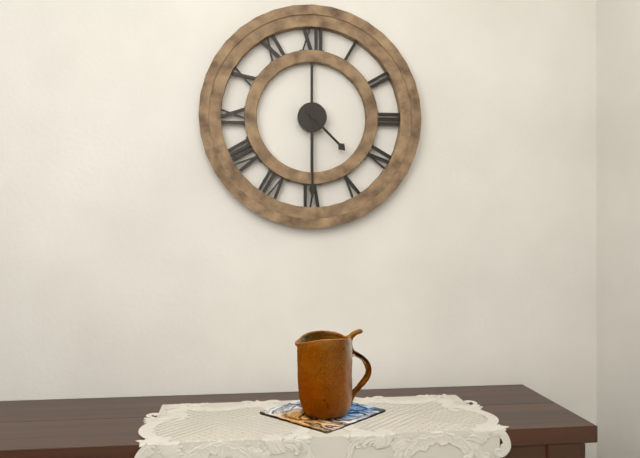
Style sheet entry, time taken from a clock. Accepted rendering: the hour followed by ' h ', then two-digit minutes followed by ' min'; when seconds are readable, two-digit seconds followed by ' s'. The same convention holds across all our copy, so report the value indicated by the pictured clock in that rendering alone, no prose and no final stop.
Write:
4 h 30 min
